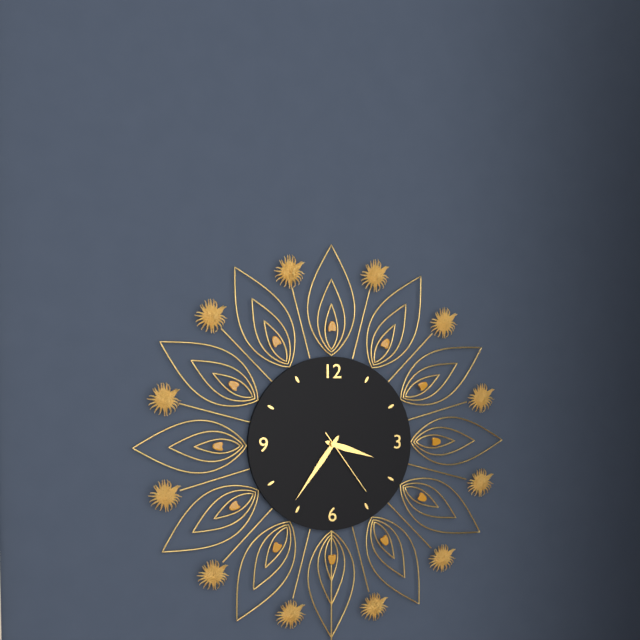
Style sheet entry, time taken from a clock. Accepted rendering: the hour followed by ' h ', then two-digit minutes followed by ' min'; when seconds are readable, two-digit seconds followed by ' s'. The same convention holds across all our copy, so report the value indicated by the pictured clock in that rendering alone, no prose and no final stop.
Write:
3 h 36 min 24 s
